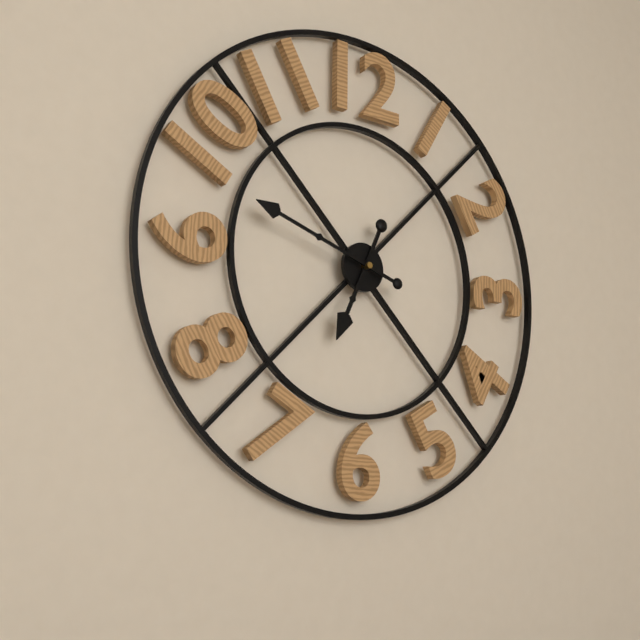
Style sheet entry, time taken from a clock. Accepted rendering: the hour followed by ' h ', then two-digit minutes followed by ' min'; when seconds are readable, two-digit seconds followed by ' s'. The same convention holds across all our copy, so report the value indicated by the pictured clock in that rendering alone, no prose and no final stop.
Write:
6 h 48 min
